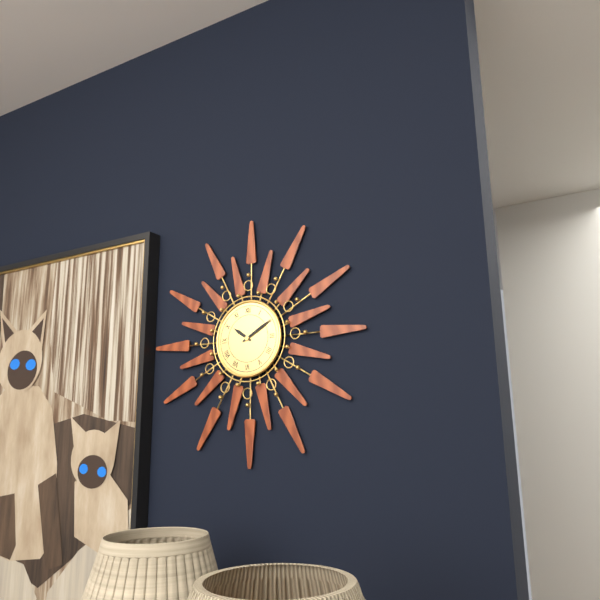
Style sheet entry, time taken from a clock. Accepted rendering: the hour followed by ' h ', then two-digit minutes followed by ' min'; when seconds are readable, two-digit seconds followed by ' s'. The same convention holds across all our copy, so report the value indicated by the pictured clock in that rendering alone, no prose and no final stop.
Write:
10 h 10 min
